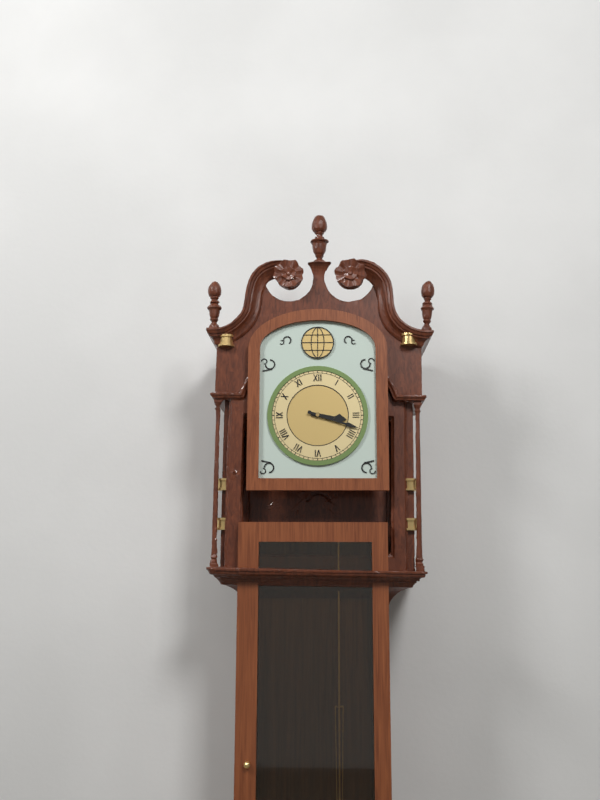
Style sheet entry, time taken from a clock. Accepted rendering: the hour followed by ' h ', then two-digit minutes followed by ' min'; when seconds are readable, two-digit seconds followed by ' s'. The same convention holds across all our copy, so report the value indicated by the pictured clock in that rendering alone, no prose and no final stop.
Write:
3 h 18 min
